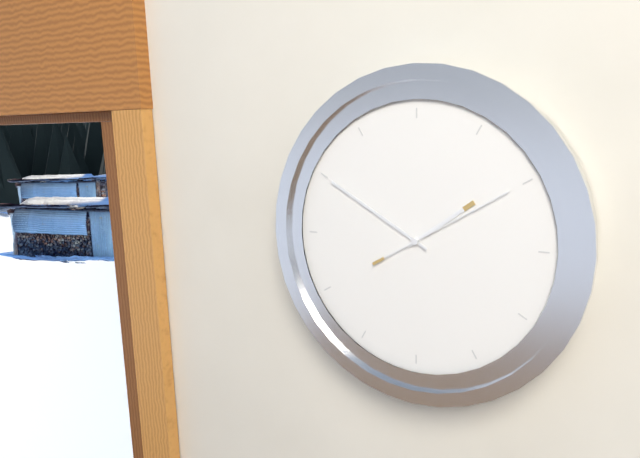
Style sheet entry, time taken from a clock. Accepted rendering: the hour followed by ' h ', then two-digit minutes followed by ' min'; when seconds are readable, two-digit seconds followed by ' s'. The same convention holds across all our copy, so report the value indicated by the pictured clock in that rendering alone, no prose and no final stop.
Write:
1 h 50 min 10 s
